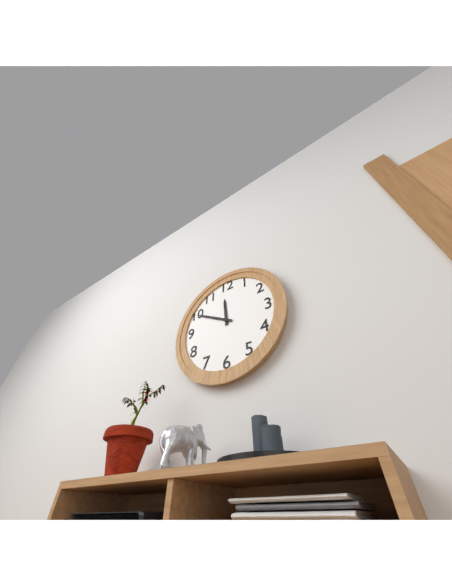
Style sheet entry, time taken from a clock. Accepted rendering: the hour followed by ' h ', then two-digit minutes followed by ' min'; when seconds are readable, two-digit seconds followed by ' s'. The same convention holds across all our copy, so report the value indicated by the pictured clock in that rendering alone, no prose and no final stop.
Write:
11 h 50 min
